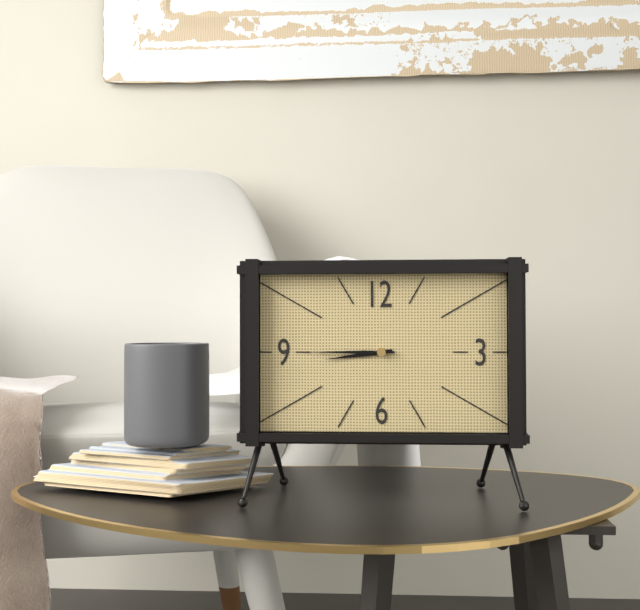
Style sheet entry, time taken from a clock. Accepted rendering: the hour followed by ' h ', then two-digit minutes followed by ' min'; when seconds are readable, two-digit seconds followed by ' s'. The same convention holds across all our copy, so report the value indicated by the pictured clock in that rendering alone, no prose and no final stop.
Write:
8 h 45 min
